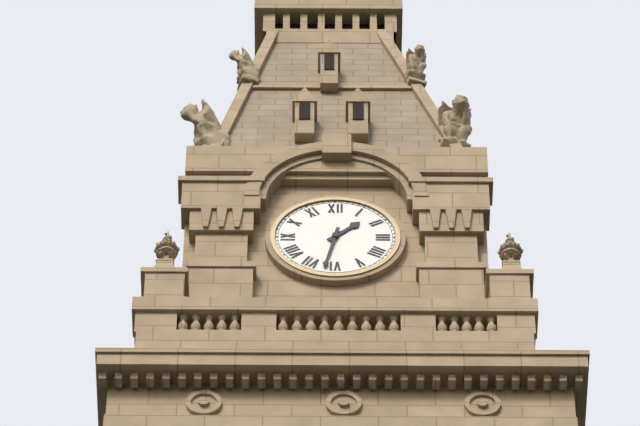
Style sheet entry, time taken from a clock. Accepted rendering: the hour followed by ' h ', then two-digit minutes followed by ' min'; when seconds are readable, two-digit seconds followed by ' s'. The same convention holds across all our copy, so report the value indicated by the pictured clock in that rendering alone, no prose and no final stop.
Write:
1 h 32 min
